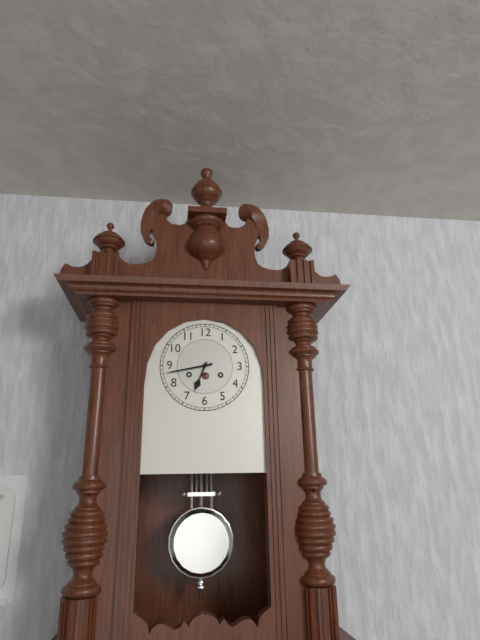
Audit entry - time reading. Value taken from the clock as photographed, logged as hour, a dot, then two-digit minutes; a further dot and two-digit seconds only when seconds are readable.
6.43
